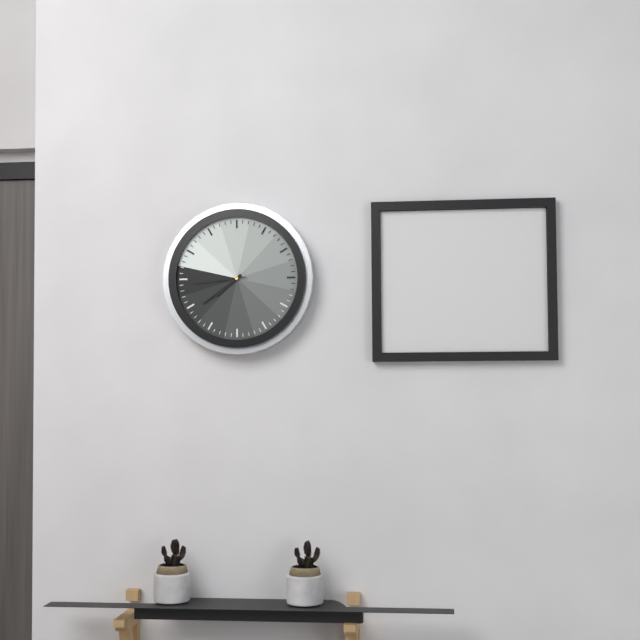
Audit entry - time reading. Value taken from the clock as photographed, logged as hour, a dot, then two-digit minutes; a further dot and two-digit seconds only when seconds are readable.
7.39.44
